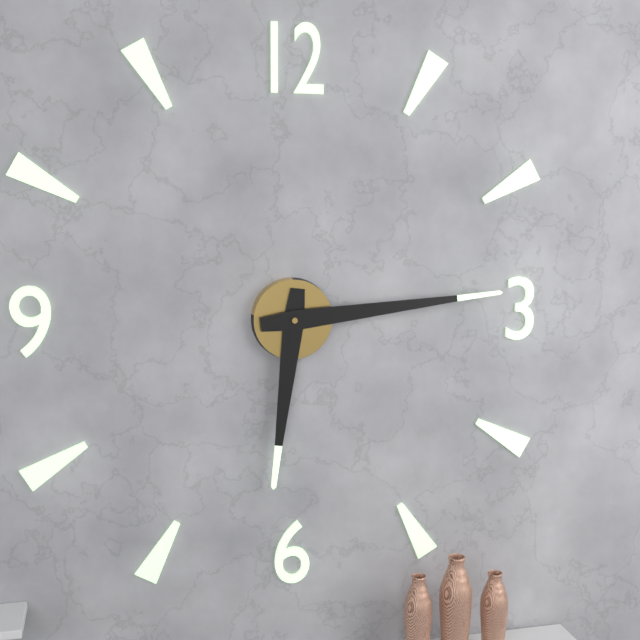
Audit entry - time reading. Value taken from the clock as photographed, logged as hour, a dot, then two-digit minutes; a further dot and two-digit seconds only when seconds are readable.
6.14
